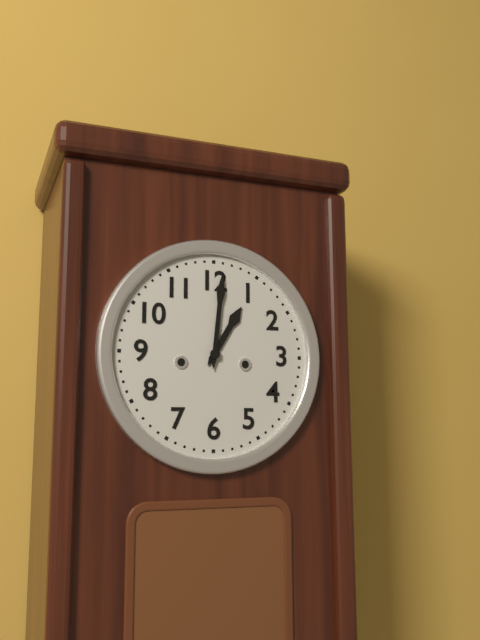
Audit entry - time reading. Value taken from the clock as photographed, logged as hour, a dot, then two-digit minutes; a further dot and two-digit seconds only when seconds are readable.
1.01
